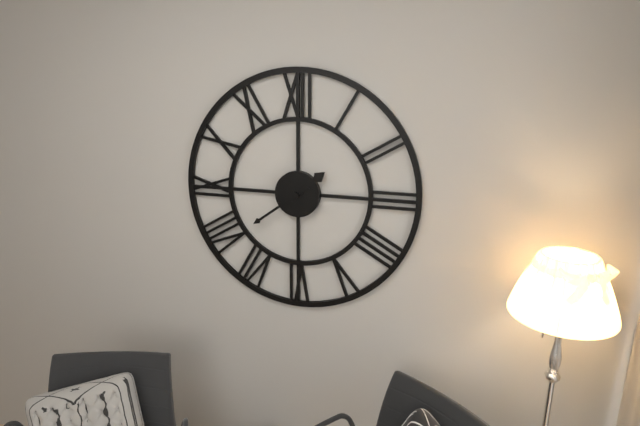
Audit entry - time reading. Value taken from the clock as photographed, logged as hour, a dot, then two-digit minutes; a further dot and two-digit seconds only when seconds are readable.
1.39
